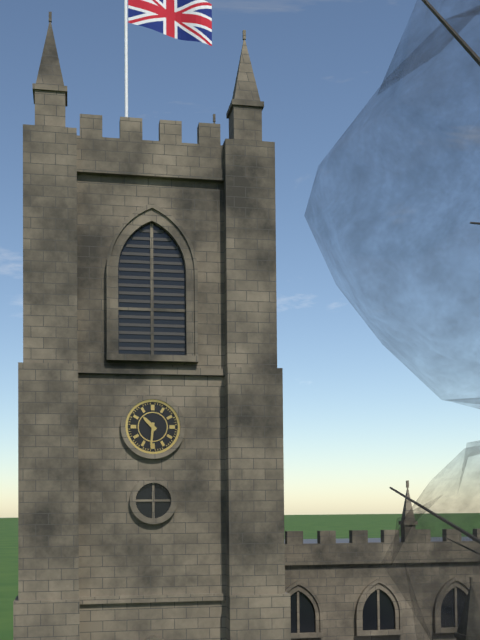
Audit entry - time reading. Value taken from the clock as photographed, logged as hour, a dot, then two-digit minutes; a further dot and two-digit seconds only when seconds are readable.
10.31
